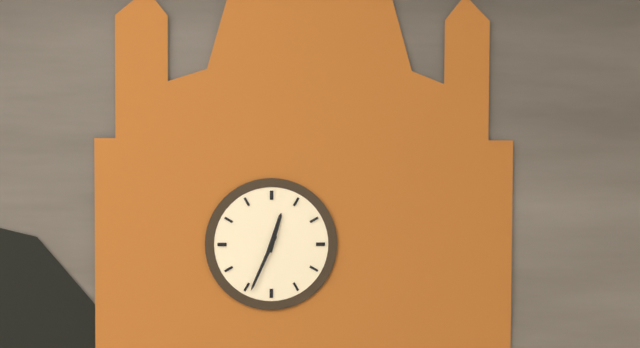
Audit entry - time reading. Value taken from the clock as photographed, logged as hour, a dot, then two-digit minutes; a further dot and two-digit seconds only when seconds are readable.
12.34
